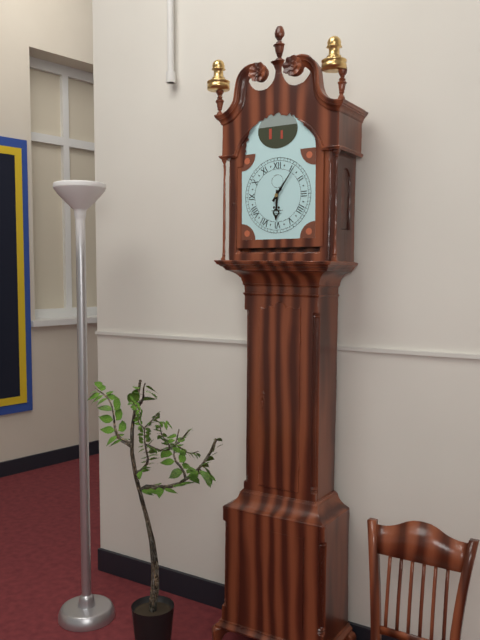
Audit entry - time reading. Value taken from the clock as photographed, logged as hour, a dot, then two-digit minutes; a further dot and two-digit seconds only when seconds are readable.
6.06
